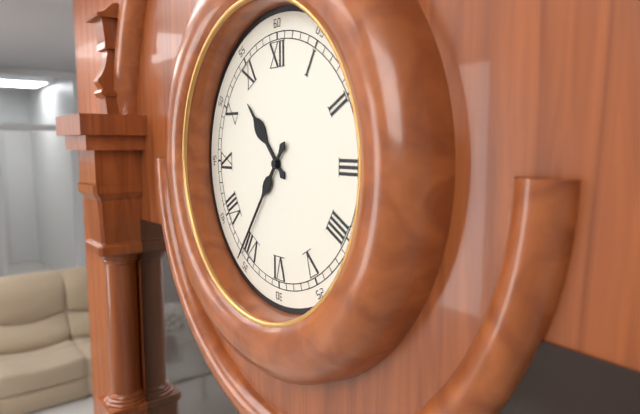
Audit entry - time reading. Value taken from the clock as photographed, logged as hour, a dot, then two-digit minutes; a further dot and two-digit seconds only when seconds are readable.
10.36
